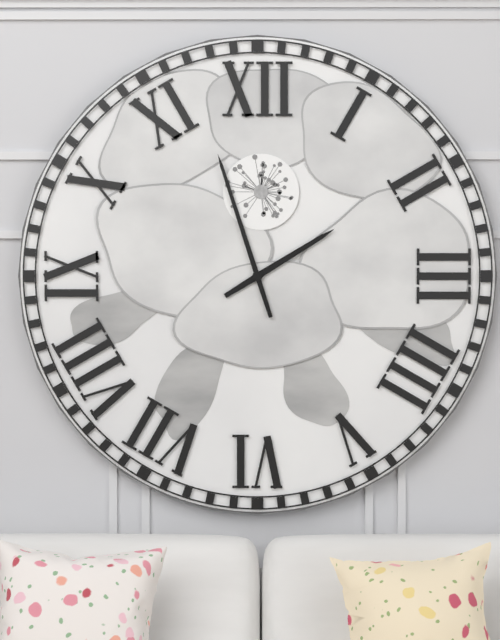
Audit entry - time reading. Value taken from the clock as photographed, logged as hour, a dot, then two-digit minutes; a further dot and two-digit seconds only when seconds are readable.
1.57
